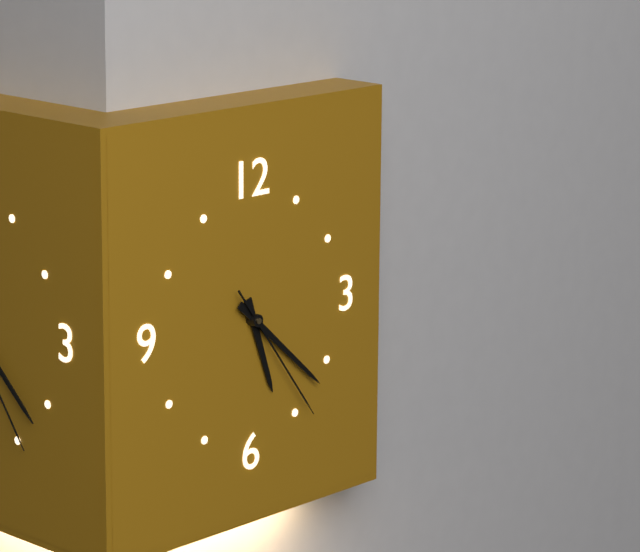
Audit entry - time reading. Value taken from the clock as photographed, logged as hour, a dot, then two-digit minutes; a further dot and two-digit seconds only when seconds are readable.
5.22.24
